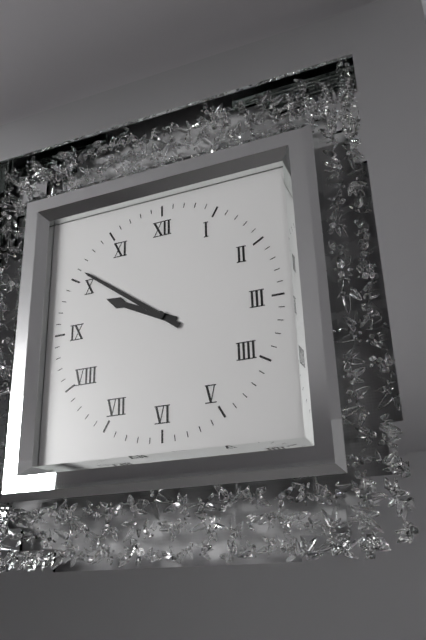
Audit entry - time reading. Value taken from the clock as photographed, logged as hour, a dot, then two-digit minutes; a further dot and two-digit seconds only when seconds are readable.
9.51
